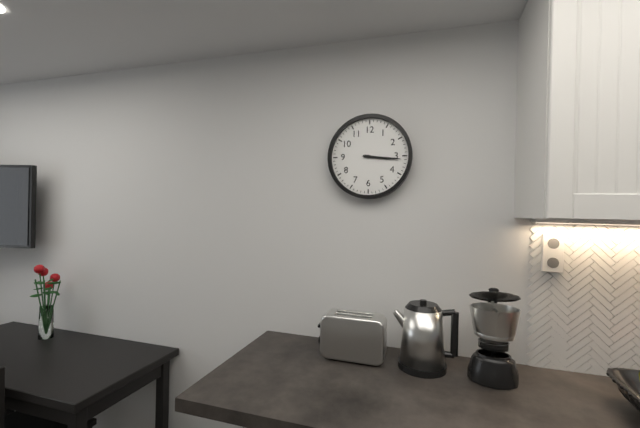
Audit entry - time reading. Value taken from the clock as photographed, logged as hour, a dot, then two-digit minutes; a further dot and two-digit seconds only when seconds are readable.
3.16
